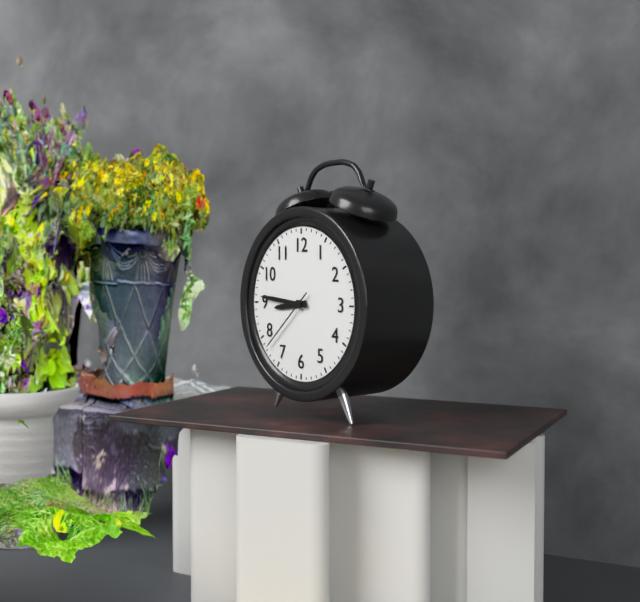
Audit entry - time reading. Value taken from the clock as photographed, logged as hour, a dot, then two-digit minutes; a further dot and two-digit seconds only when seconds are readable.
8.46.38
